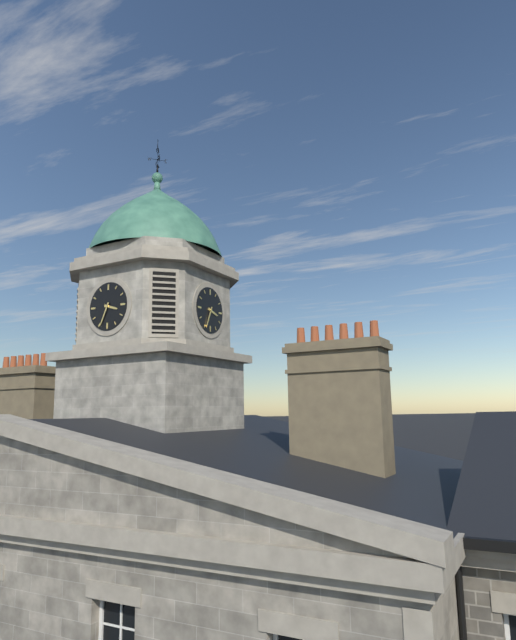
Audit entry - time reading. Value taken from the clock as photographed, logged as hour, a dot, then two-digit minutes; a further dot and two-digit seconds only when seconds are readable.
3.34
